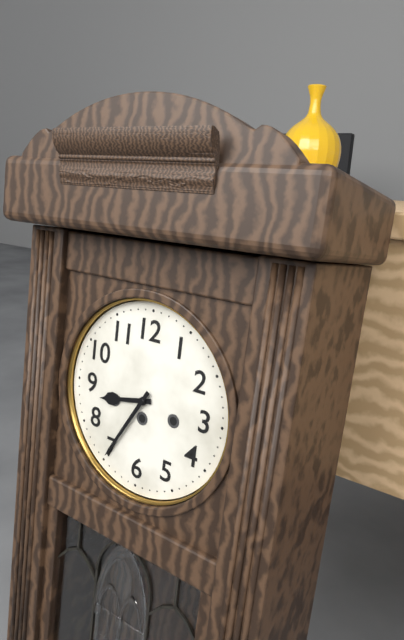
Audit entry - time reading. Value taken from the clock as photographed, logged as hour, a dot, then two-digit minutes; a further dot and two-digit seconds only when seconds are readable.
8.35
